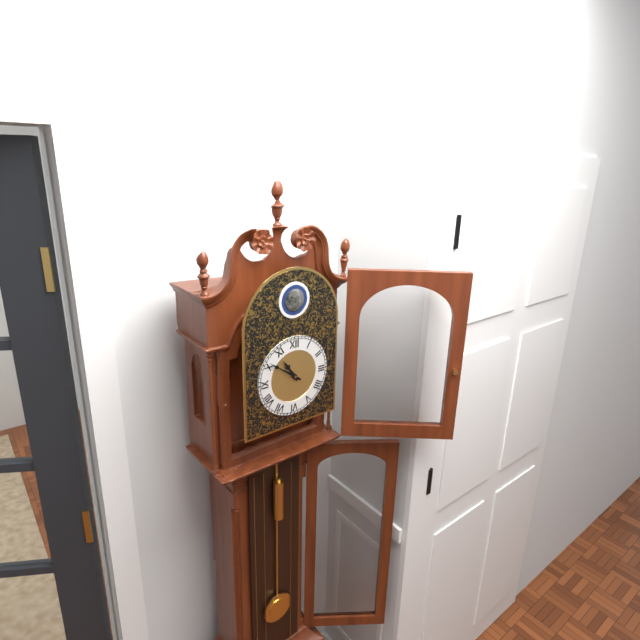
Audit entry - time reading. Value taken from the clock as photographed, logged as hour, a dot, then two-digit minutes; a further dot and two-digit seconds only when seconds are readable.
10.51
